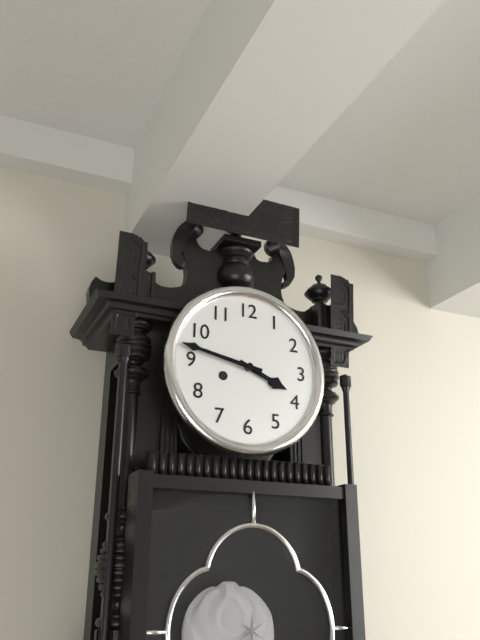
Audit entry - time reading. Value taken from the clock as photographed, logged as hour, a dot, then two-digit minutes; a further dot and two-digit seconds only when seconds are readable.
3.47
